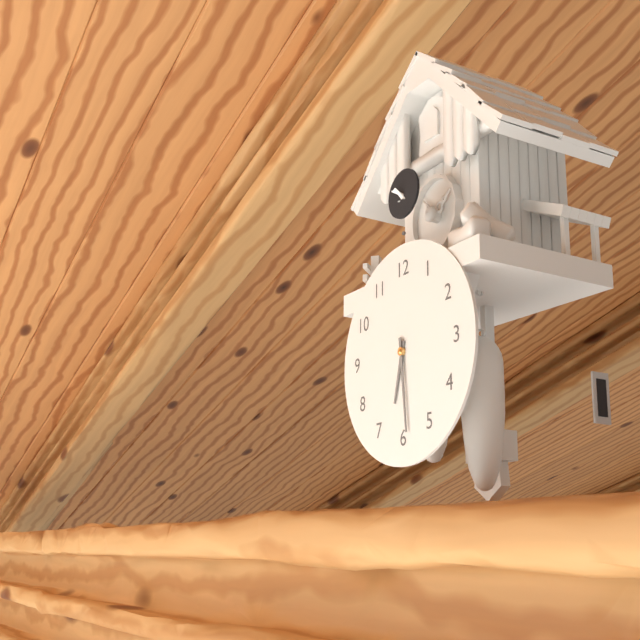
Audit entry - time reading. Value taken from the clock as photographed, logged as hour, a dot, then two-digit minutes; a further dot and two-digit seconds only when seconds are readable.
6.29
